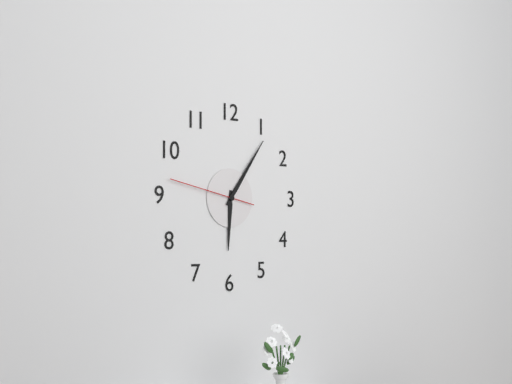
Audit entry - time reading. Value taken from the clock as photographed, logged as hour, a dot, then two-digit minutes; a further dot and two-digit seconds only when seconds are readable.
6.06.47
